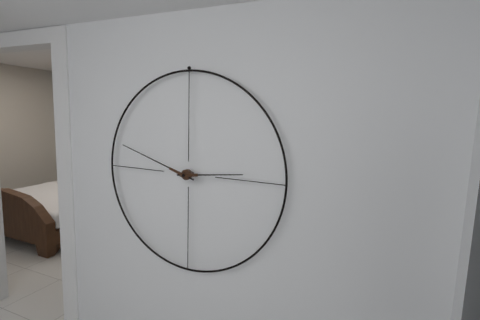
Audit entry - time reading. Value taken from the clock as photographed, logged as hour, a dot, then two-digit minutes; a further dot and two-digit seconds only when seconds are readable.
2.48
